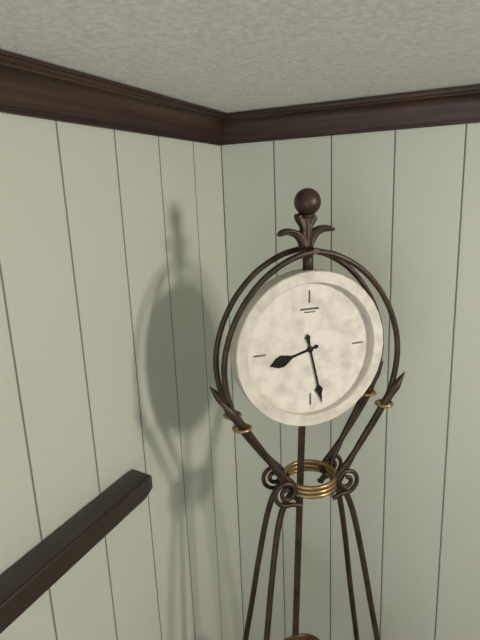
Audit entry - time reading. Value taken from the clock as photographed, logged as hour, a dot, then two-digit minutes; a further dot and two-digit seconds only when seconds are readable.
8.28
